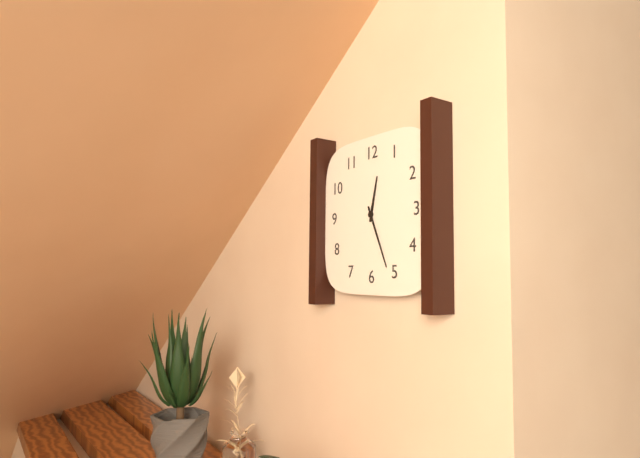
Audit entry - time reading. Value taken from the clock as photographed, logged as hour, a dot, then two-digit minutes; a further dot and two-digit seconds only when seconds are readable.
12.26
